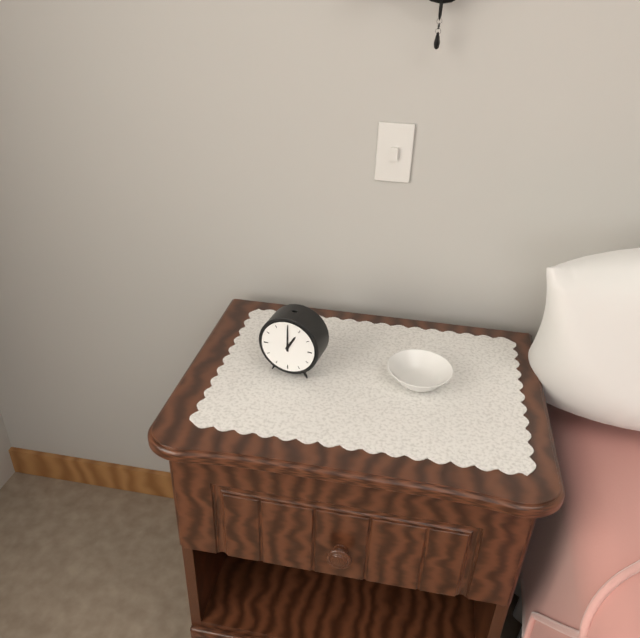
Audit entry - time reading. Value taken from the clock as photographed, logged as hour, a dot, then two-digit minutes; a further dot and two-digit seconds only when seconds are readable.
1.00
